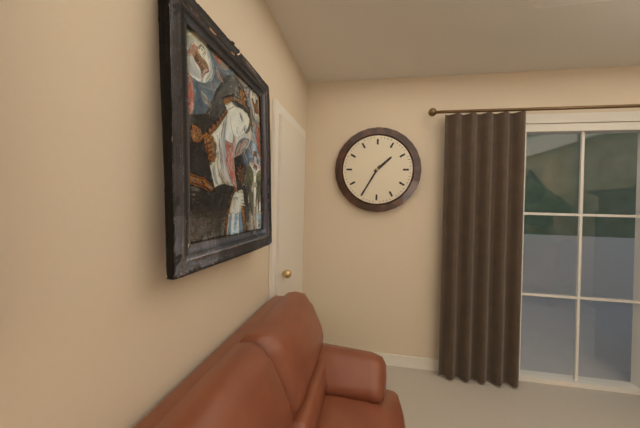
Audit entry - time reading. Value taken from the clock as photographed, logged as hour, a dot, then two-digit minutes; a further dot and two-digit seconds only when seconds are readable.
1.35
